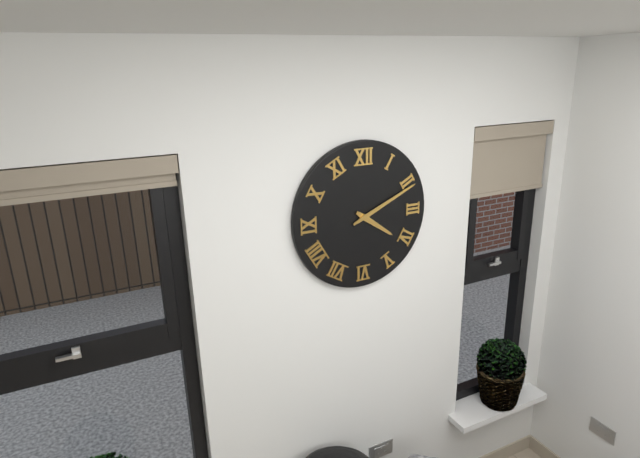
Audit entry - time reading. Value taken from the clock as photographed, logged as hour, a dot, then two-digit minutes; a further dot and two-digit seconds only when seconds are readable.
4.11
